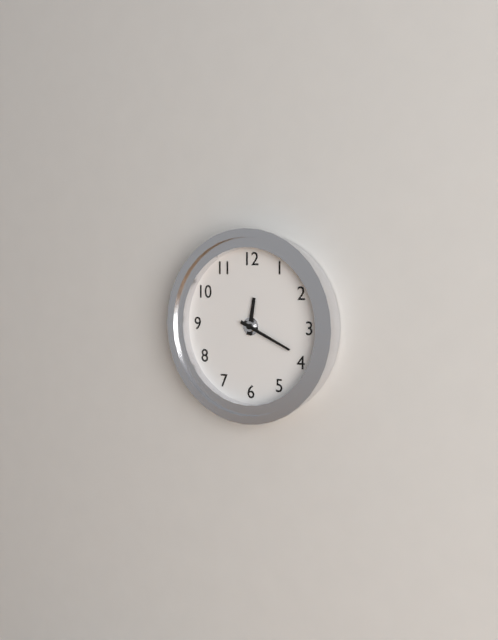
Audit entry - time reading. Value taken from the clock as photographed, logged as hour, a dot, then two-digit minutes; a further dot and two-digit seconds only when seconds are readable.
12.19
